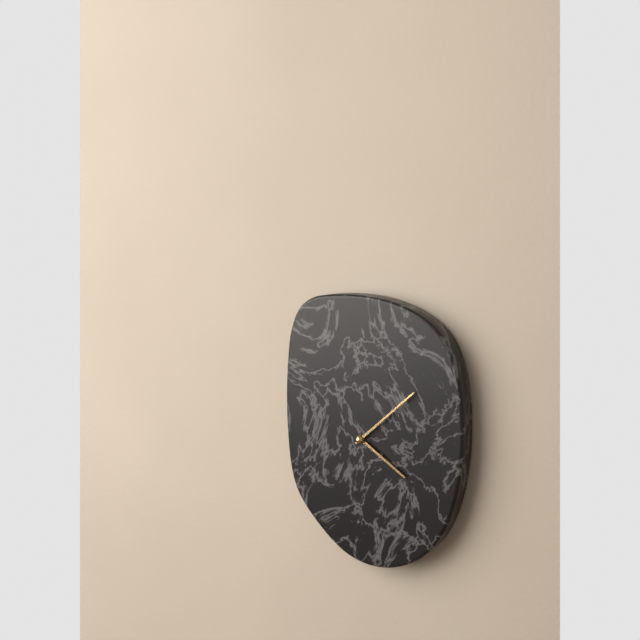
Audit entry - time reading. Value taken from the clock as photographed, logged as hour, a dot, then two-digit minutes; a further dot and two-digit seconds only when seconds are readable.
4.08
